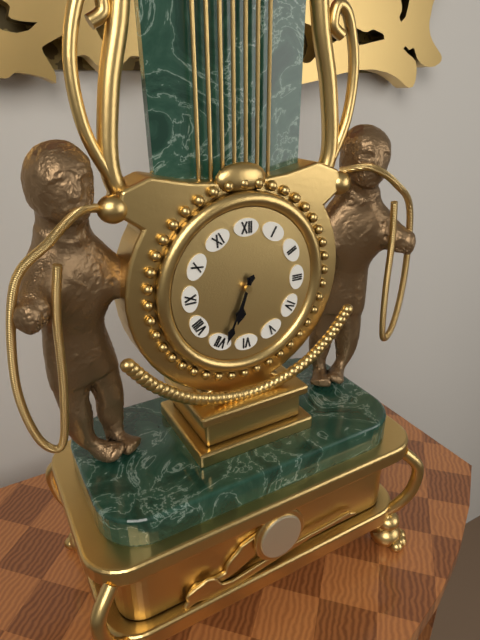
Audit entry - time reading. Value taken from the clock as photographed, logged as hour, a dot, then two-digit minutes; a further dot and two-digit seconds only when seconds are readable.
6.34
